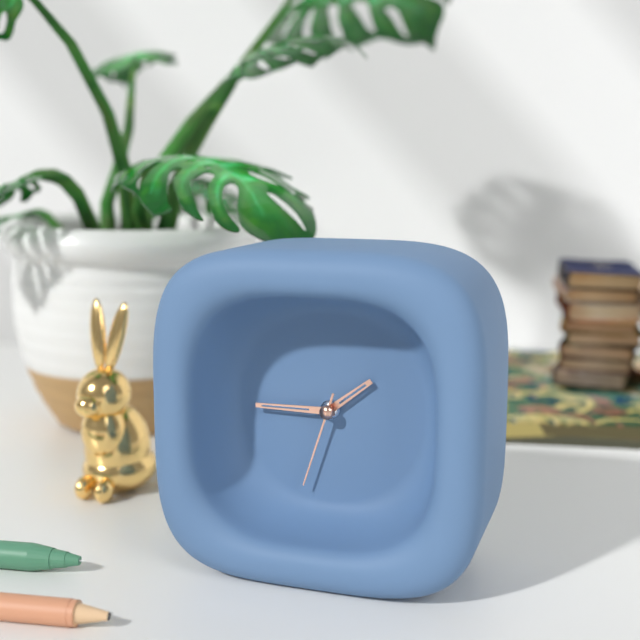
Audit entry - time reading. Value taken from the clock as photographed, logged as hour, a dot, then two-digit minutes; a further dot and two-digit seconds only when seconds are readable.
1.45.33
